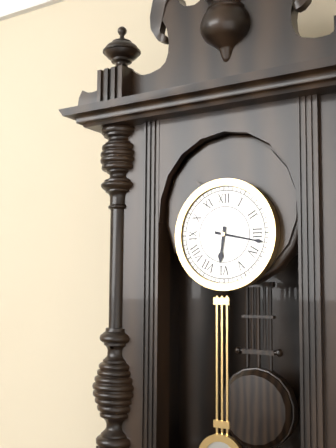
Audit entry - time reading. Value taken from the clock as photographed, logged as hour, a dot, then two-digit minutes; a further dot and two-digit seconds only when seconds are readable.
6.17
